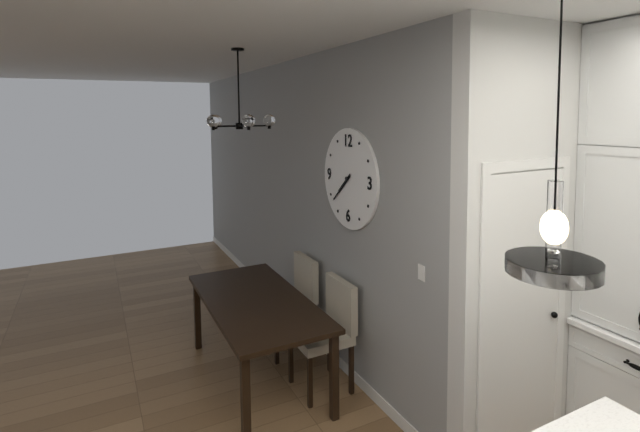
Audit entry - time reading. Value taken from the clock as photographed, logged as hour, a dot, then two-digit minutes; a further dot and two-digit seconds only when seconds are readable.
7.38
